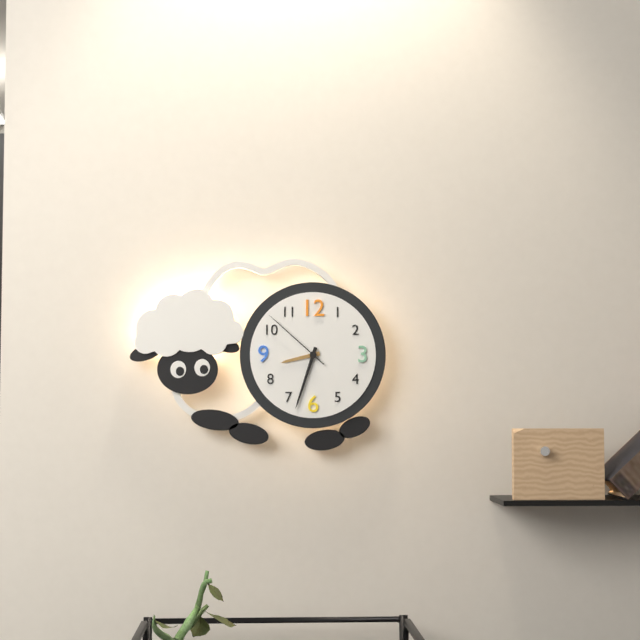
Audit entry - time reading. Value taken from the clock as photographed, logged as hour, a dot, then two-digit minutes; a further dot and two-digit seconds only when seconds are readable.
8.33.52
